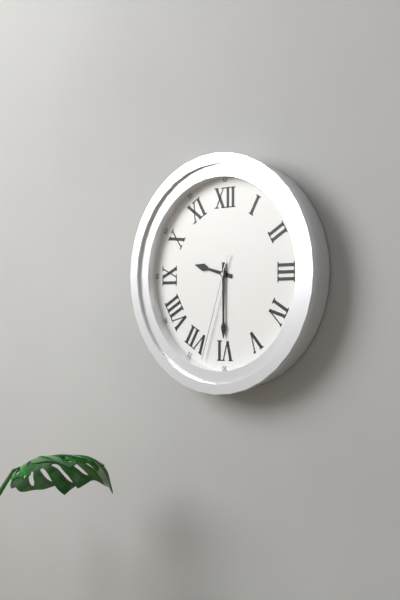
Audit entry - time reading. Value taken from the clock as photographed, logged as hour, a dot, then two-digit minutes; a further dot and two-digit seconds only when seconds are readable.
9.30.33
